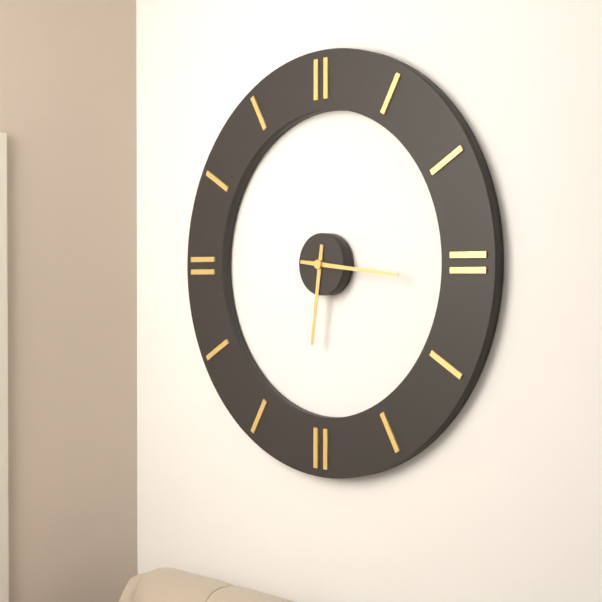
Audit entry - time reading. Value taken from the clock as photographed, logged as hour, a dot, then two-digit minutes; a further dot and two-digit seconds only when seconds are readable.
6.16
